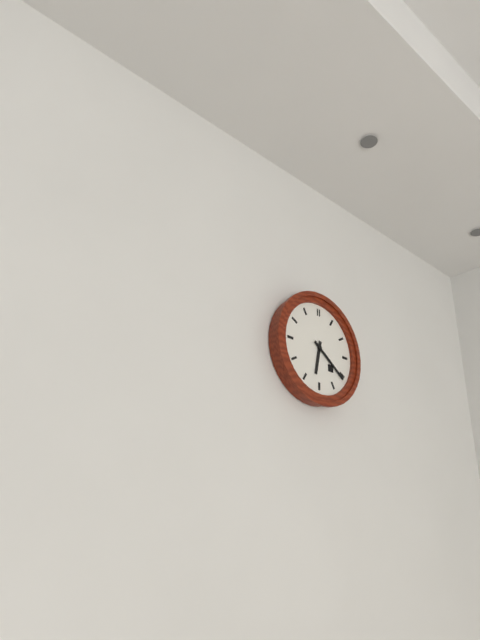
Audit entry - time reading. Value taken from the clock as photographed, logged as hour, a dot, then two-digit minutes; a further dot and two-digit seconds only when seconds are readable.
6.21
